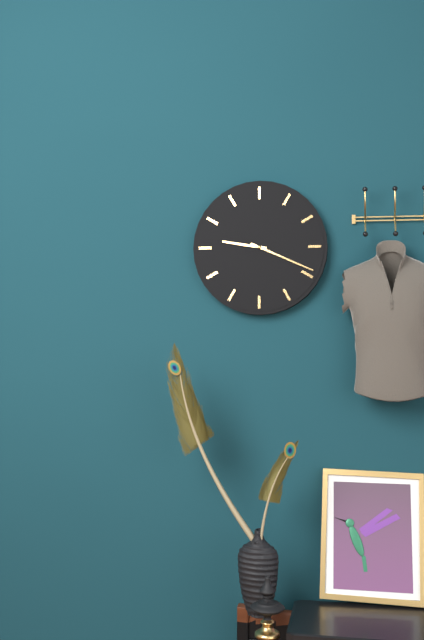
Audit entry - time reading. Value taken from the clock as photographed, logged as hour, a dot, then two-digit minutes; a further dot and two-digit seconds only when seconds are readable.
9.19
